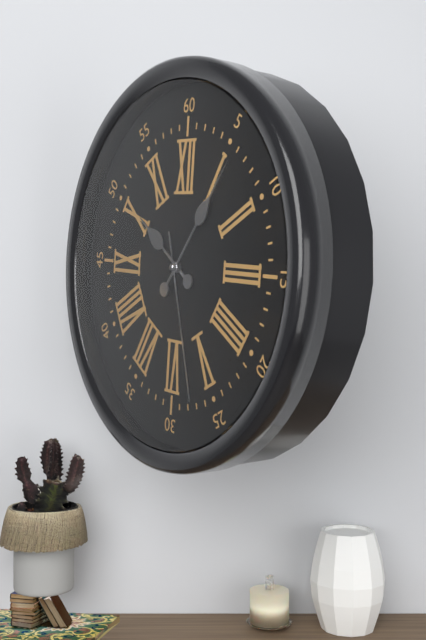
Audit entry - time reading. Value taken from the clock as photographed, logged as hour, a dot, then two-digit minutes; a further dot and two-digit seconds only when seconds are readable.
10.06.27
